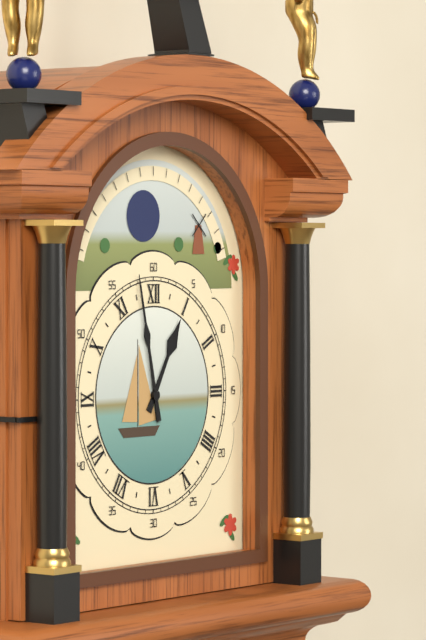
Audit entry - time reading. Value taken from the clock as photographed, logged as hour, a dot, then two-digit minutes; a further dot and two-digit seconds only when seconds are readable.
12.58
